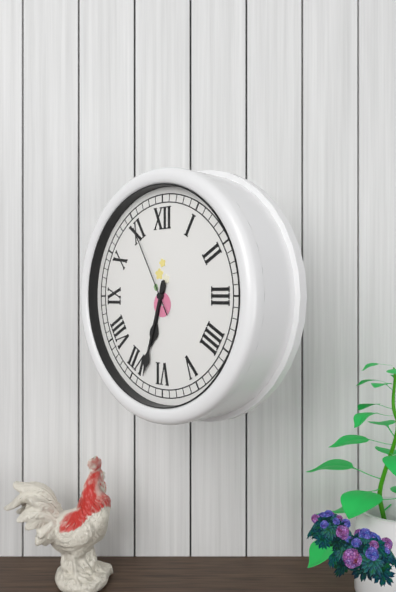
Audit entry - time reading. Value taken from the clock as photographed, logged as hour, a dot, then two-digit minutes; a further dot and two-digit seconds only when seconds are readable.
6.33.55
